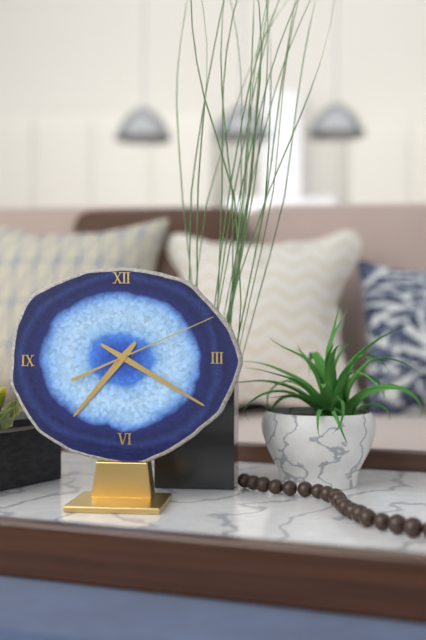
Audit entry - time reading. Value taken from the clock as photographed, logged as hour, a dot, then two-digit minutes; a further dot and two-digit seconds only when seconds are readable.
7.20.11
